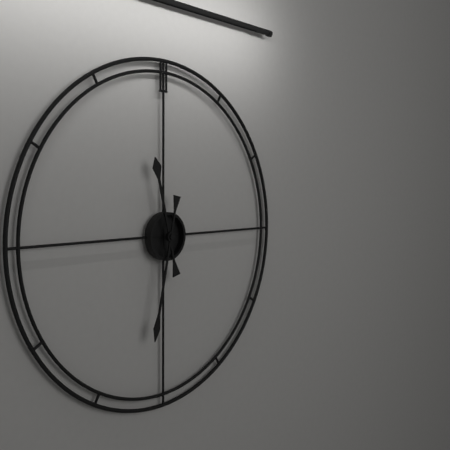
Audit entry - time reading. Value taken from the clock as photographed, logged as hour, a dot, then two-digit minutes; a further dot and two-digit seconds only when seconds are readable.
11.32
